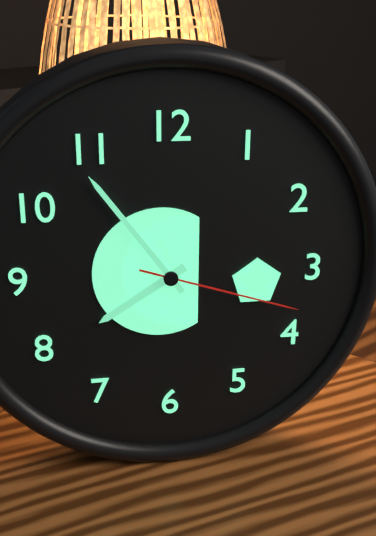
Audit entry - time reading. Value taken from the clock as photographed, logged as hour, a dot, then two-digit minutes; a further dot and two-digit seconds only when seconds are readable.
7.54.18
